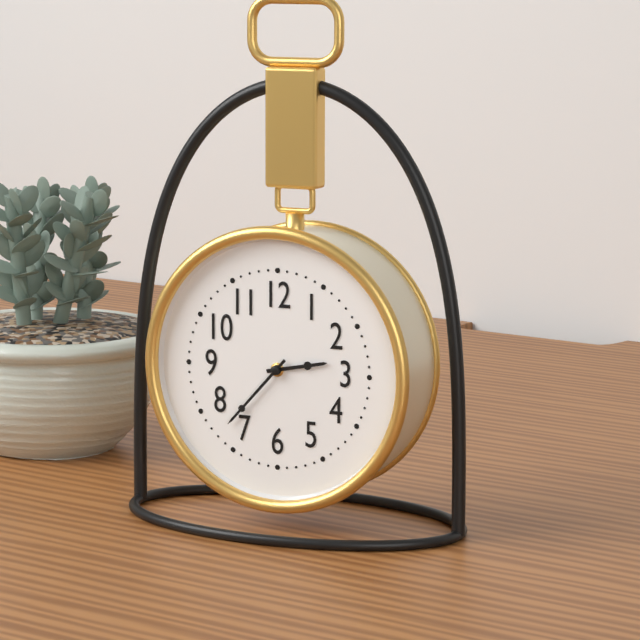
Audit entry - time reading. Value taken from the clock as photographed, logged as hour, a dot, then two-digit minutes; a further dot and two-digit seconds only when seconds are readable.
2.37
